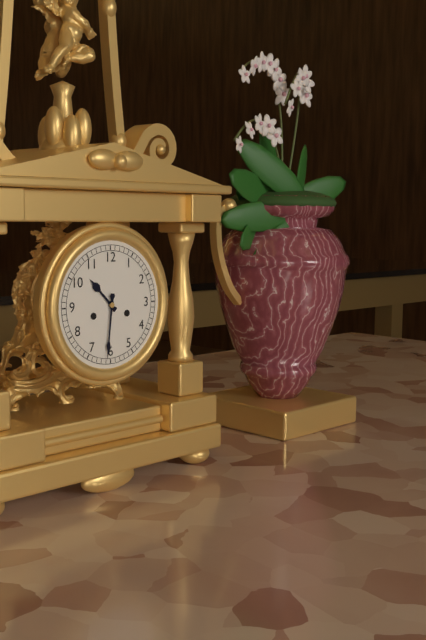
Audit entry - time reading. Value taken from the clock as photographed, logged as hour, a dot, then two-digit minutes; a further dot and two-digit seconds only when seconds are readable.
10.31
